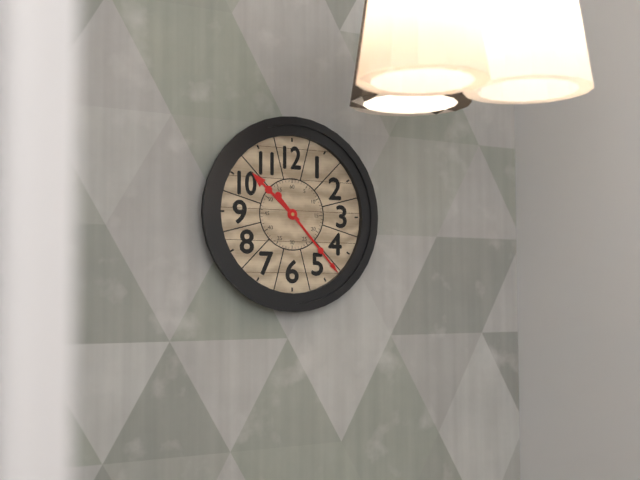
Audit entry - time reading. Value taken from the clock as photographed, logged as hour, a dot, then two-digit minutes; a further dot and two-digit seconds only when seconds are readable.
10.23
